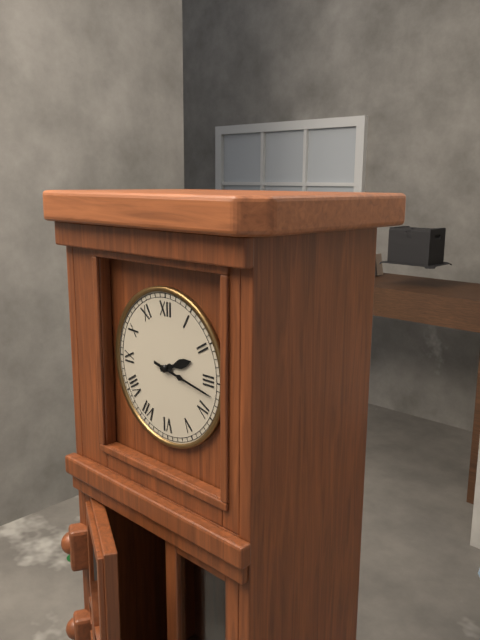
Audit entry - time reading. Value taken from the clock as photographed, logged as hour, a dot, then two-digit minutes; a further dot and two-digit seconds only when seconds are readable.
2.17
